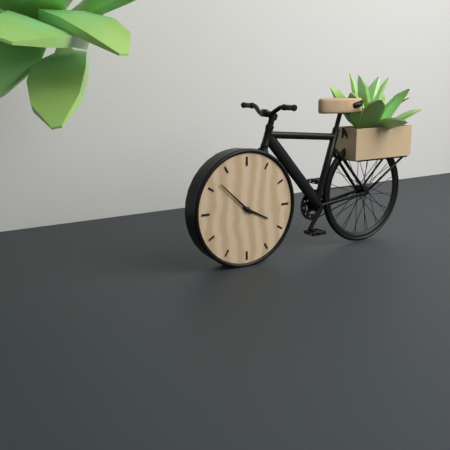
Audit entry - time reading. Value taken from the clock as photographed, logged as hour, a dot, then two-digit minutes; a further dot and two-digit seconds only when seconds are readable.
3.52
